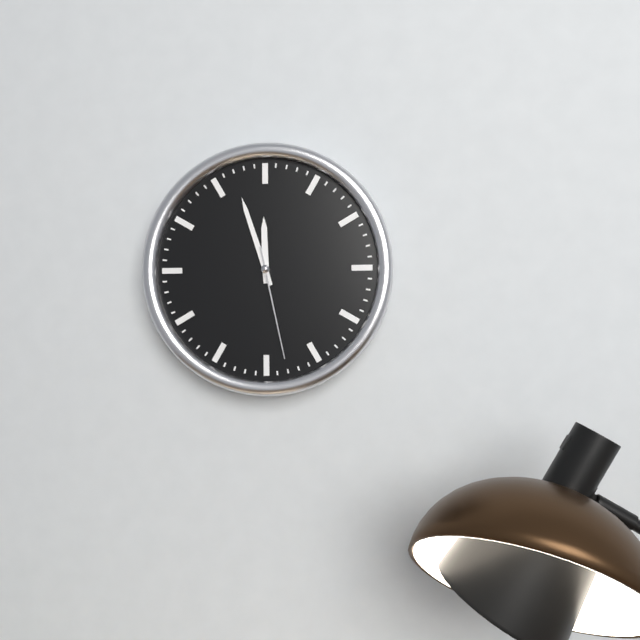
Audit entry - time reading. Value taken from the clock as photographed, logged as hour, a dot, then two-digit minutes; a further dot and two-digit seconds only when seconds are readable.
11.57.28
